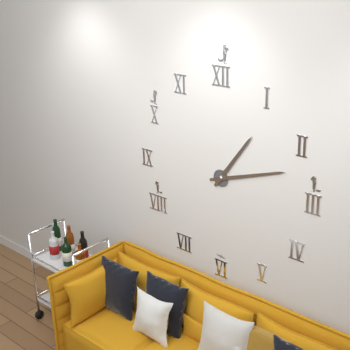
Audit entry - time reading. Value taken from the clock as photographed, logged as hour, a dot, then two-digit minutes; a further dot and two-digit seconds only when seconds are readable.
1.12
